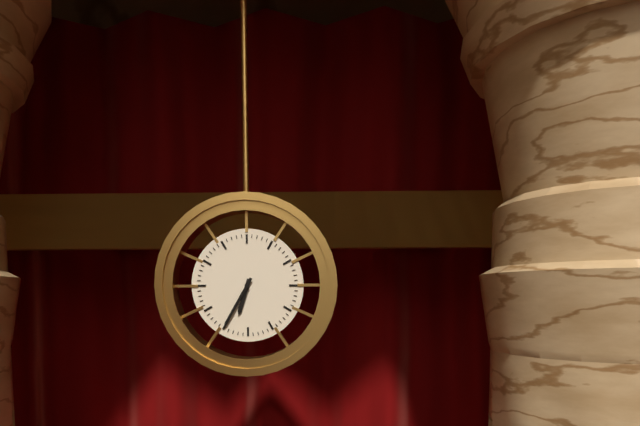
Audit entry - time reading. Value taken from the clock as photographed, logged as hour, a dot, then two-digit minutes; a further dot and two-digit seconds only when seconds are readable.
6.35
